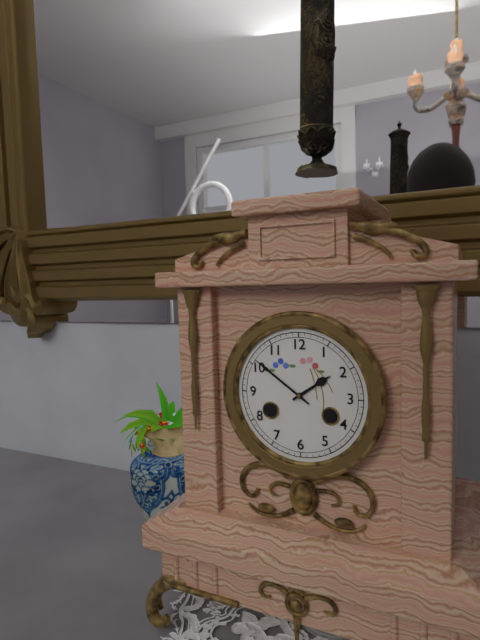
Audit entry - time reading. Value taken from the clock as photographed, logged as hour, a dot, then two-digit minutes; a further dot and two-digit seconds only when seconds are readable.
1.51
